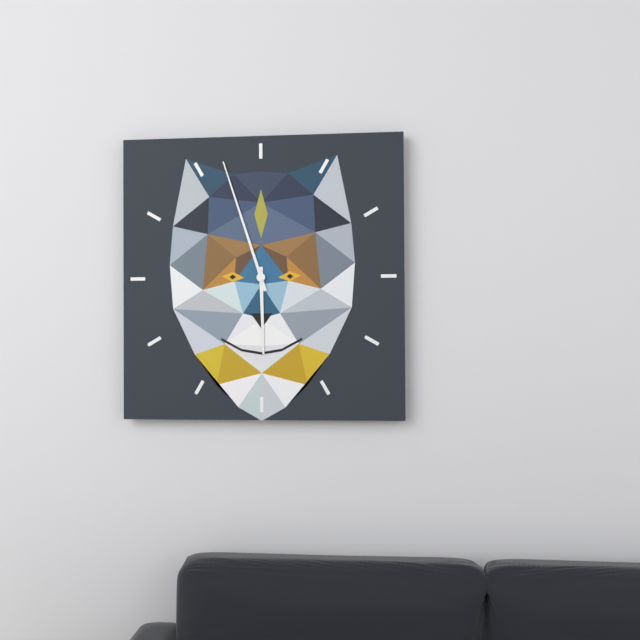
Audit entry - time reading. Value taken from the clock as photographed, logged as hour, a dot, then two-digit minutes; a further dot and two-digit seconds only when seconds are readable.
5.57
